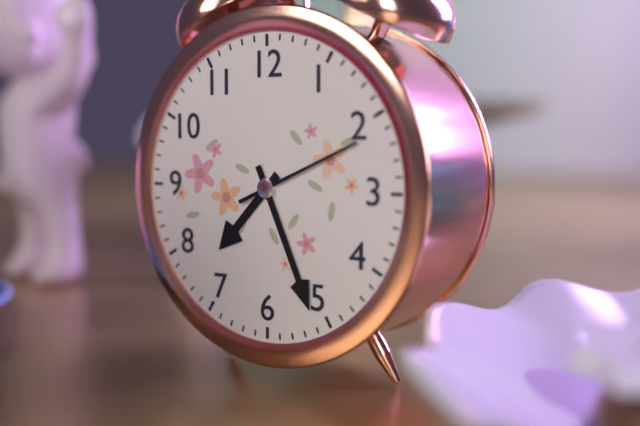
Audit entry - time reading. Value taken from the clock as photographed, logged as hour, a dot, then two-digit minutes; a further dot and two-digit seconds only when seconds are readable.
7.26.11
